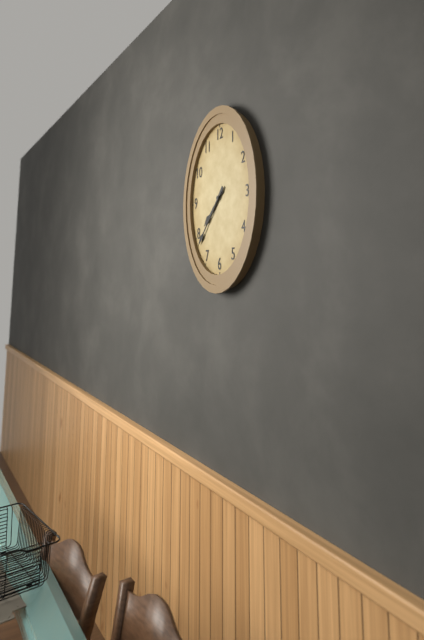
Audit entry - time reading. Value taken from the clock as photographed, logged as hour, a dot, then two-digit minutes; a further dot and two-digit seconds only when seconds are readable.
7.37
